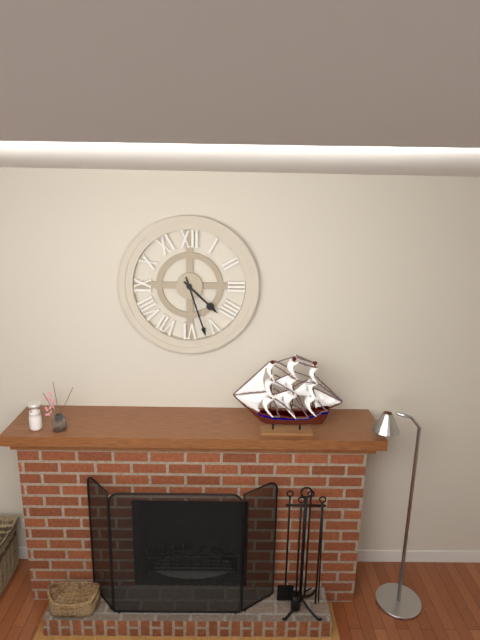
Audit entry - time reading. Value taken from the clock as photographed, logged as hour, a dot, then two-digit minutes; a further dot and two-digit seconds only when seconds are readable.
4.27
